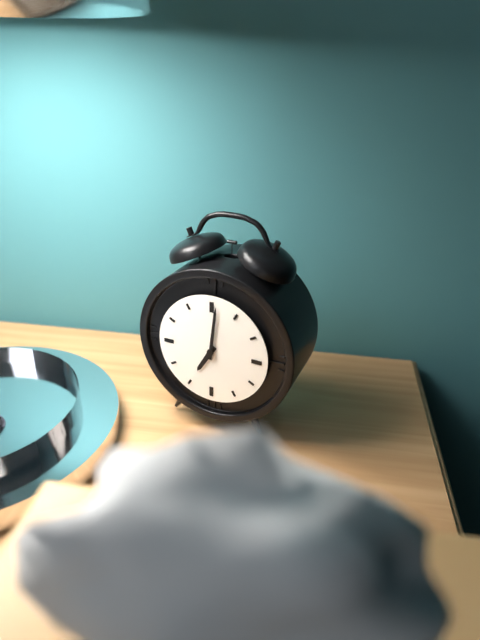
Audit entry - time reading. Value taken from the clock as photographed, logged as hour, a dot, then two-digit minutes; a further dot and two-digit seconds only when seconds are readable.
7.01
